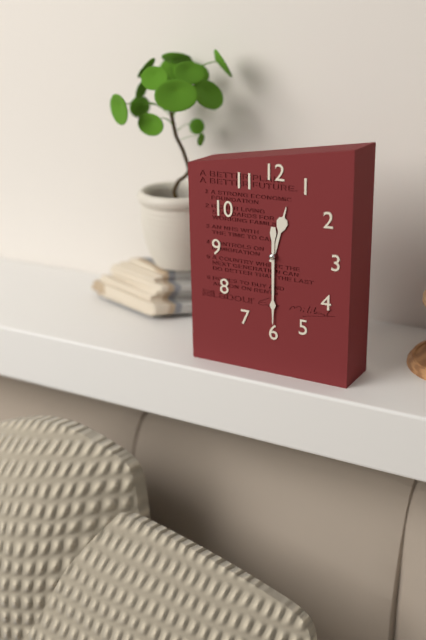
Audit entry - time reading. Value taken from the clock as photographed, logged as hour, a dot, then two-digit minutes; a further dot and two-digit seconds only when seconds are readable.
12.30
